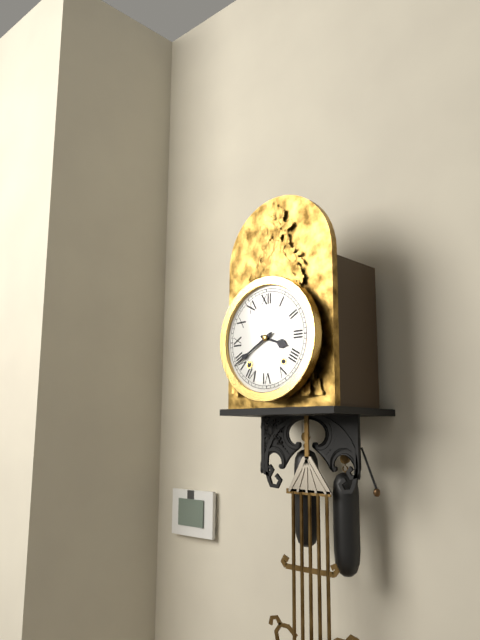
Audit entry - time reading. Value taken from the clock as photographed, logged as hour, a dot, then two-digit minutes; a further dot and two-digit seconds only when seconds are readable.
3.40
